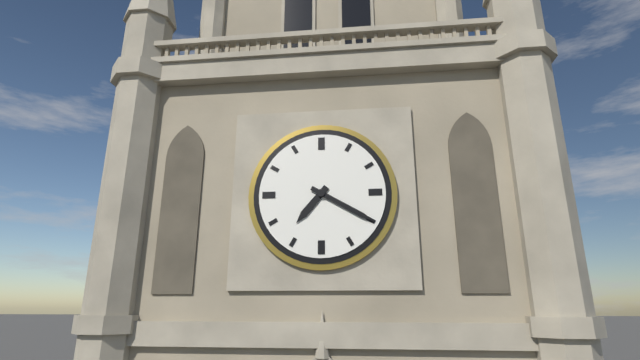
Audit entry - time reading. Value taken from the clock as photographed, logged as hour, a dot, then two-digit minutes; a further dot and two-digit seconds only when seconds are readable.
7.20
